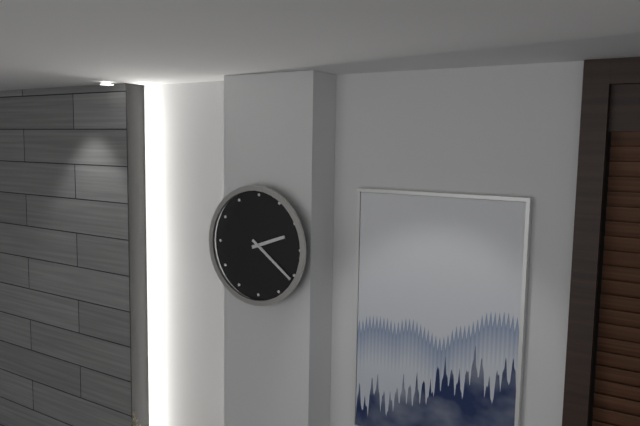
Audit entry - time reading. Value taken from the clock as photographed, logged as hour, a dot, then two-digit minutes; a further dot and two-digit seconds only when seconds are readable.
2.21
